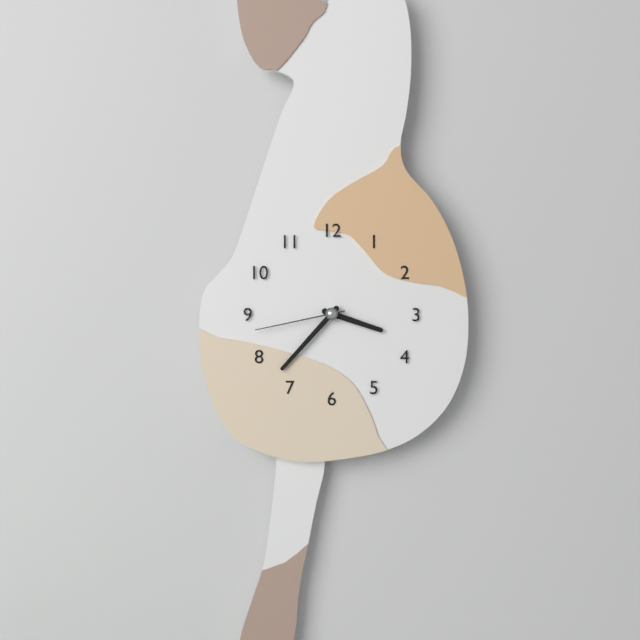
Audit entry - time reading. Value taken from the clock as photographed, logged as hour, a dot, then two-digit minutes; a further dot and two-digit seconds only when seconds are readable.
3.37.43
